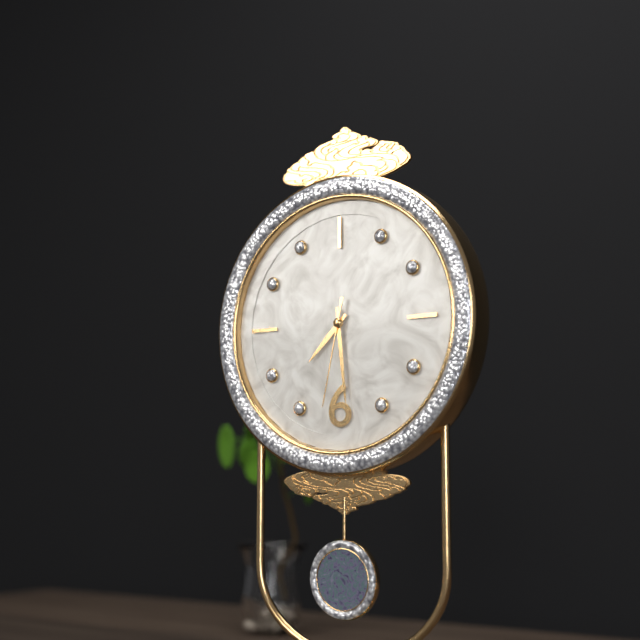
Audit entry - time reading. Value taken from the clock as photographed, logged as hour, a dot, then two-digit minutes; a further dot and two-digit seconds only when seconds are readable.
7.29.32
